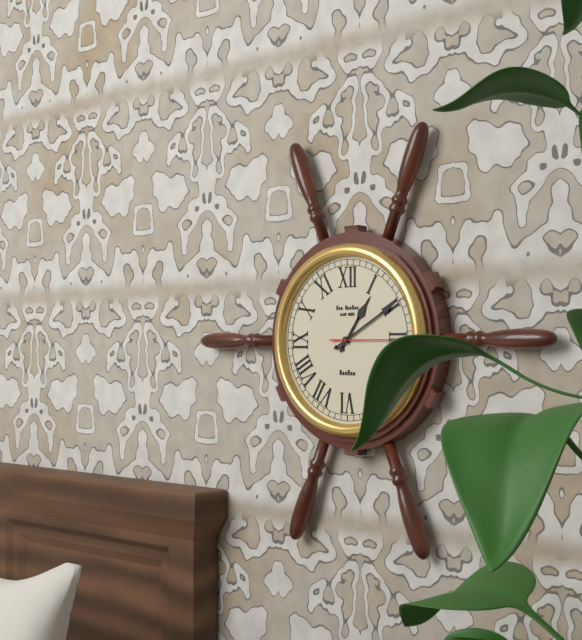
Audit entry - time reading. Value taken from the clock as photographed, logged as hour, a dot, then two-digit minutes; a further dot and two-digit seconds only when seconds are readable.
1.10.15
